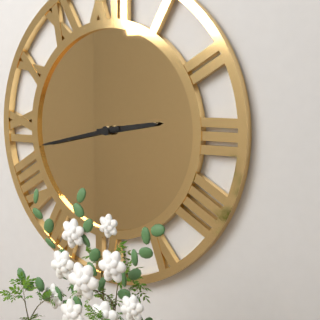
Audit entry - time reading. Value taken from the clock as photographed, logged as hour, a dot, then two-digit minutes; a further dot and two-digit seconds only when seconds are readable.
2.43
